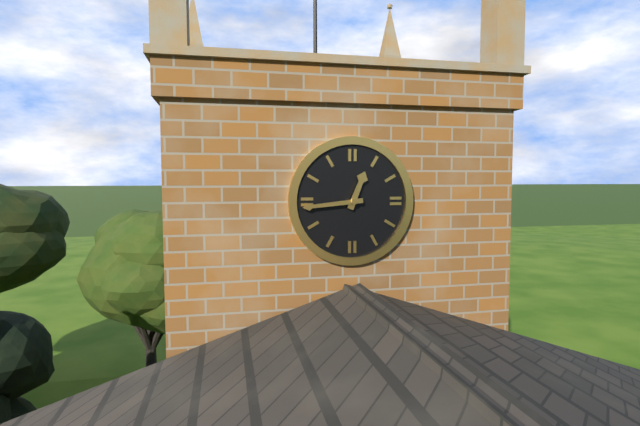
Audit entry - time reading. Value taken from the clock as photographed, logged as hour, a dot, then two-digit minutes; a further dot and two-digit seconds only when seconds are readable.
12.44
